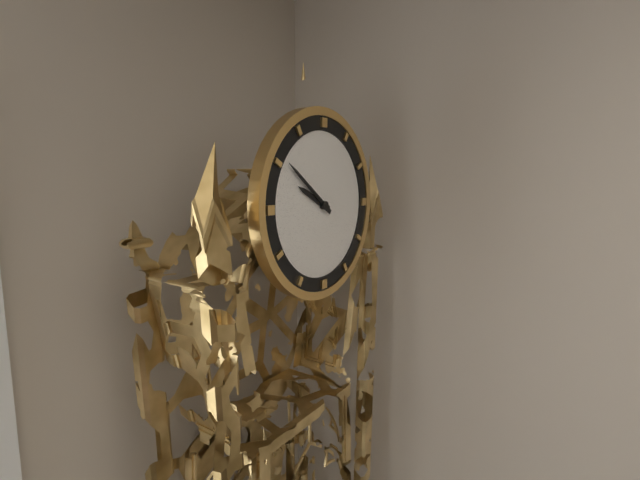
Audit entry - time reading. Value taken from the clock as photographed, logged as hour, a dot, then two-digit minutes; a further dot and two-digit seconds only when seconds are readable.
9.51
